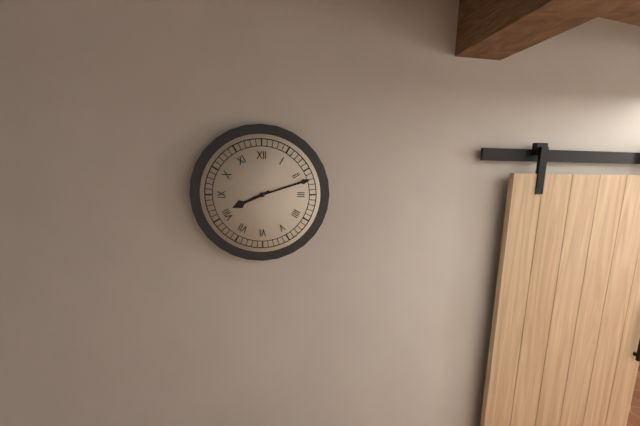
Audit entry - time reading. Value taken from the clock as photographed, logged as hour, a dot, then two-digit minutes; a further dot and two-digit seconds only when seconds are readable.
8.12
